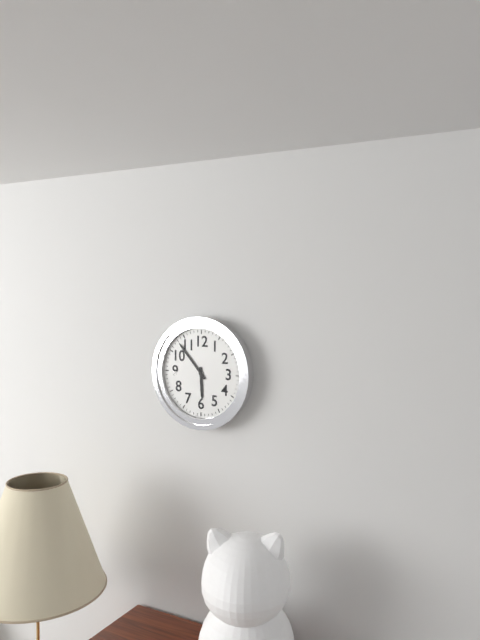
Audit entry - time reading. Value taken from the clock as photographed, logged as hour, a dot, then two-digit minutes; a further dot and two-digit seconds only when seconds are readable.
5.53
